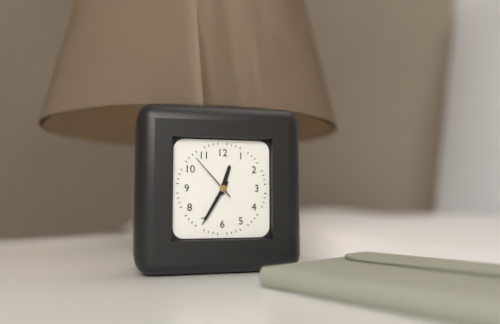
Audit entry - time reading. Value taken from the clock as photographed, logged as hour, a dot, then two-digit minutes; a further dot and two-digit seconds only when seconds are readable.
12.35.53
